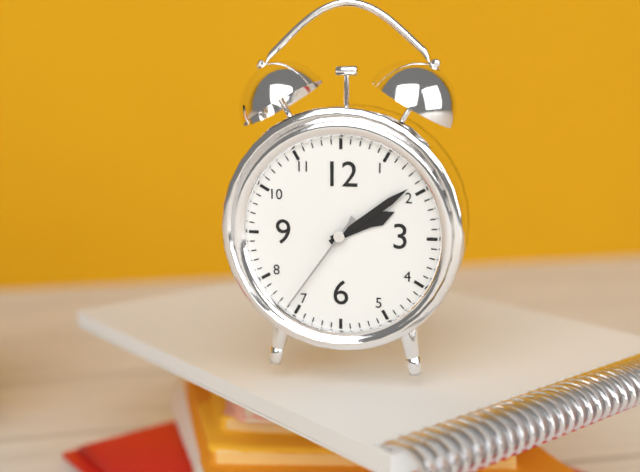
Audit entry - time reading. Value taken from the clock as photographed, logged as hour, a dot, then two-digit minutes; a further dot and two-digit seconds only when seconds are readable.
2.09.36
